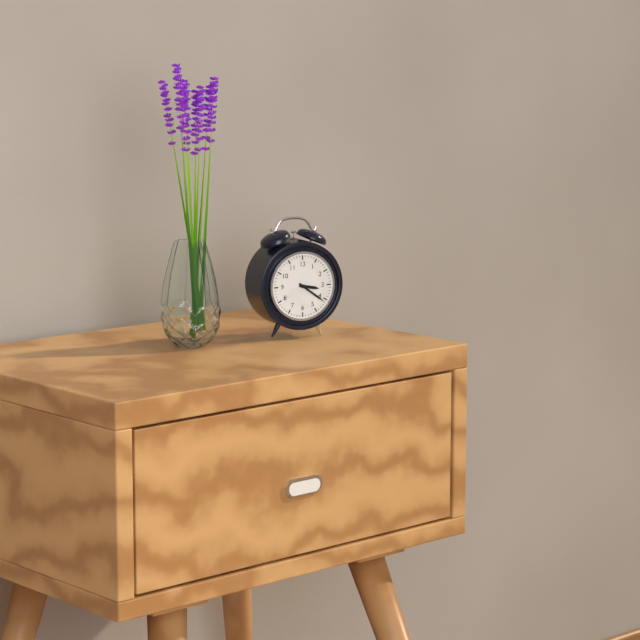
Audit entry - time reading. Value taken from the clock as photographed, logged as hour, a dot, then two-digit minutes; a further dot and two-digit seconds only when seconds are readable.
3.21
